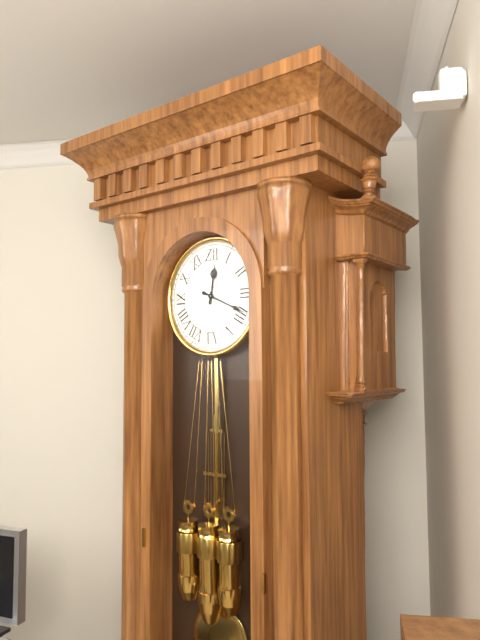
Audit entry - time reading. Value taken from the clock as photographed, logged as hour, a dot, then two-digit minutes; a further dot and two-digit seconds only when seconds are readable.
12.19
